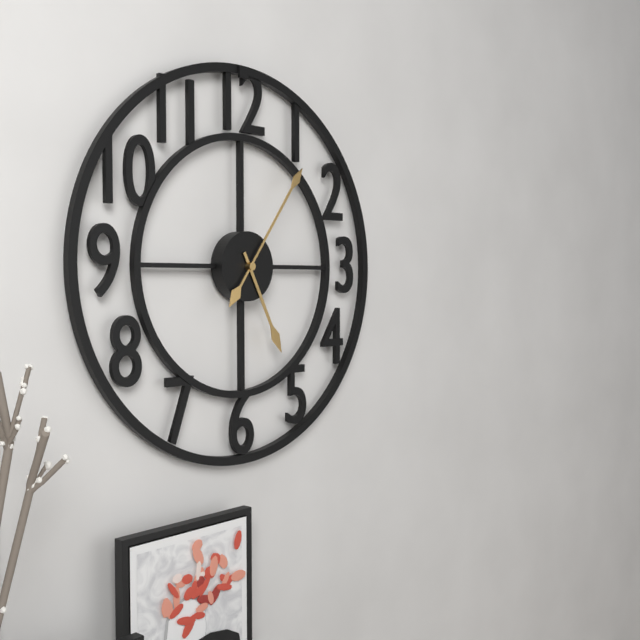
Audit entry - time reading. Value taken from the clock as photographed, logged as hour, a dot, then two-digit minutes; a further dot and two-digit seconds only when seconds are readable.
5.06
